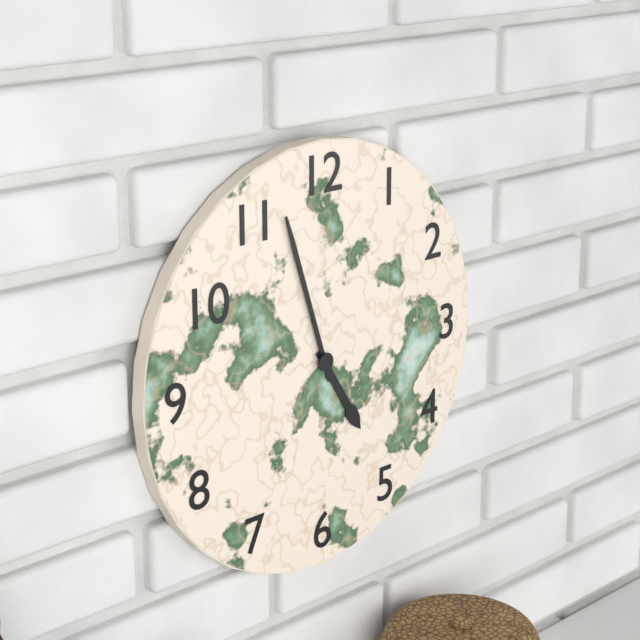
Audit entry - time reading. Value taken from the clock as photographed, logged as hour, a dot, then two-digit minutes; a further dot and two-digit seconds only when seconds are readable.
4.57
